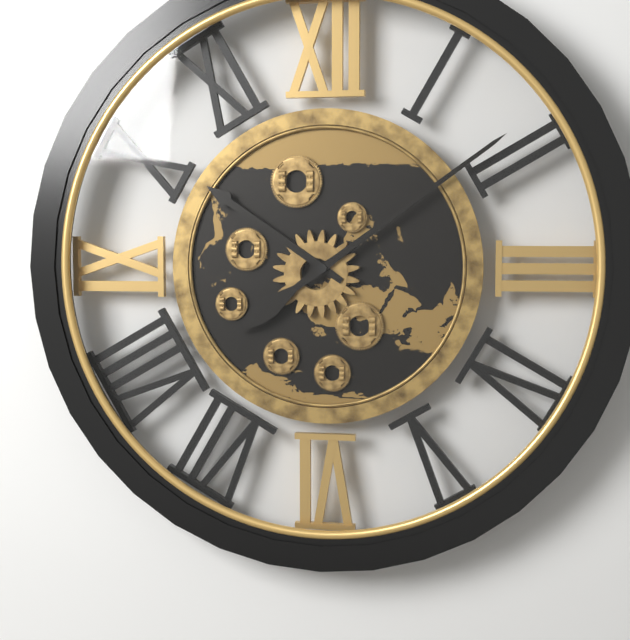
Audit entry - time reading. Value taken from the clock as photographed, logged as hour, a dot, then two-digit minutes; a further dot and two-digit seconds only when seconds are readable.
10.09
